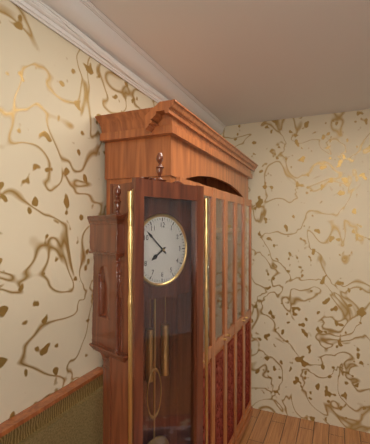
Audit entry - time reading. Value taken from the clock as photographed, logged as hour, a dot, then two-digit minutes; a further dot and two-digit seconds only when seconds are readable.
7.52
